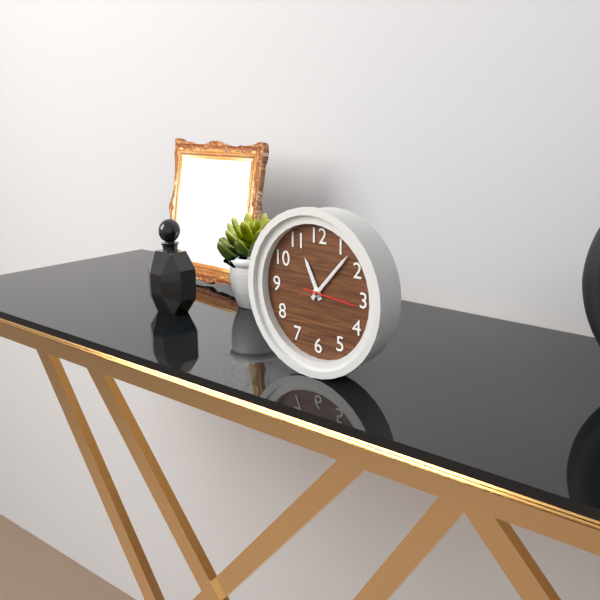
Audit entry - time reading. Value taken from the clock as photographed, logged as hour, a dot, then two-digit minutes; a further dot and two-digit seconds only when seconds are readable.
11.07.16
